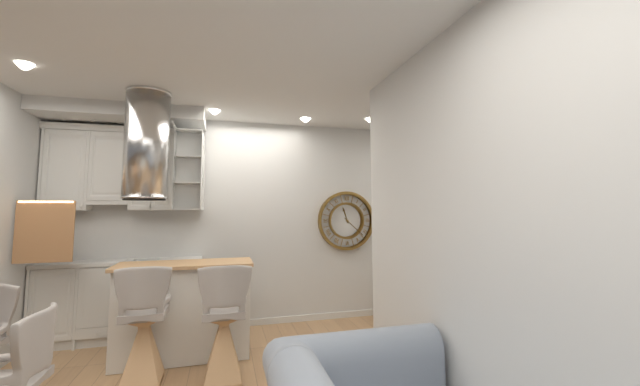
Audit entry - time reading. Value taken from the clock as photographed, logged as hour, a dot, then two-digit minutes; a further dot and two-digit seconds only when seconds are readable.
11.22
